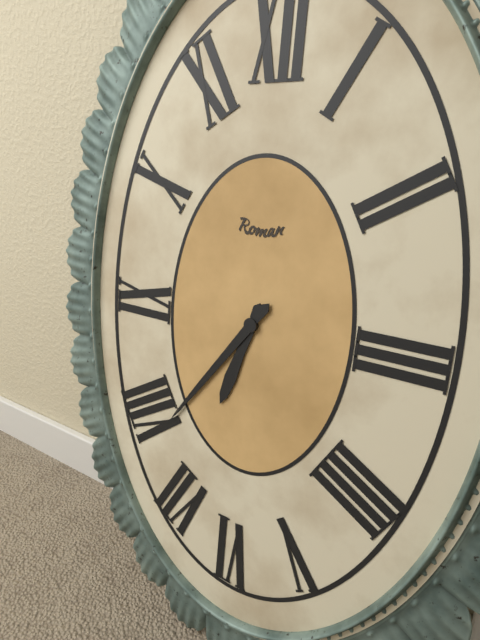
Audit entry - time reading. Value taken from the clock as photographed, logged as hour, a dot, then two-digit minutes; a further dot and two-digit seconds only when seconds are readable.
6.36
